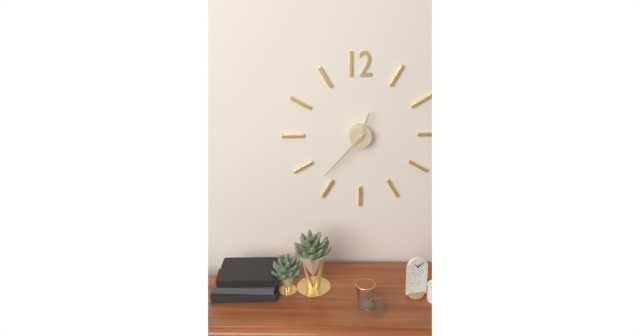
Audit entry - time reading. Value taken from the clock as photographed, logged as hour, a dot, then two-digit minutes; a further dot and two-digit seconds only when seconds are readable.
12.37
